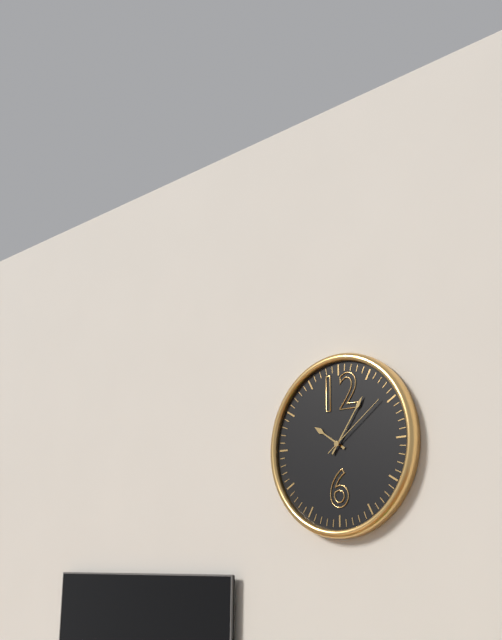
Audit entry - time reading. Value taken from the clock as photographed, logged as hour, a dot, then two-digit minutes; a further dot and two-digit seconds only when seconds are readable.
10.06.09
